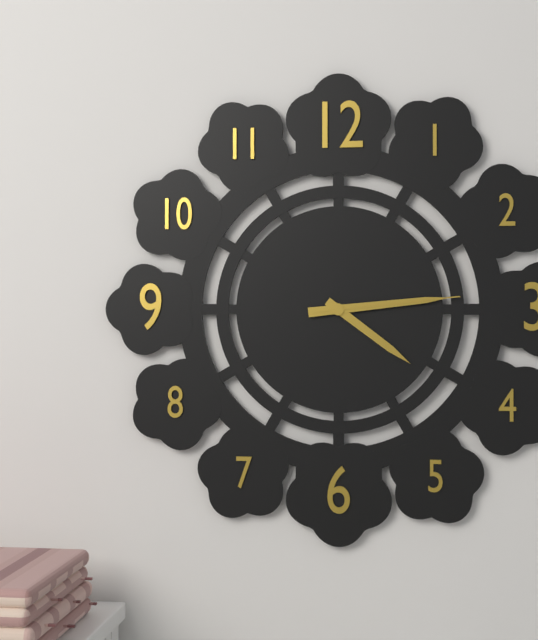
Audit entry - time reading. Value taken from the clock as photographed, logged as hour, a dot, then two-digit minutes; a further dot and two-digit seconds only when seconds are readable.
4.14.14
